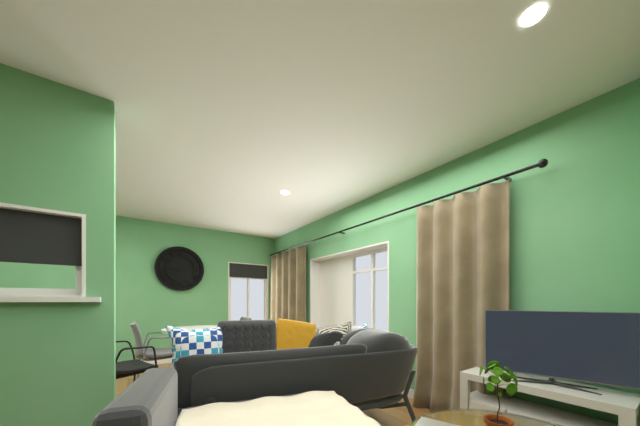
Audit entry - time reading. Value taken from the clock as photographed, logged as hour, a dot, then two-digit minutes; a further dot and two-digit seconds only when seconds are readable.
7.45
